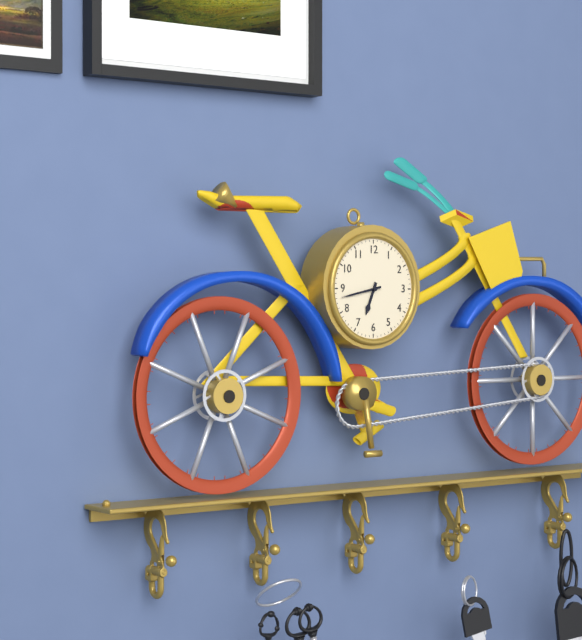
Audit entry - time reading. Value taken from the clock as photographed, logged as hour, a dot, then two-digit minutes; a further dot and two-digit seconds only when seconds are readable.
6.43
